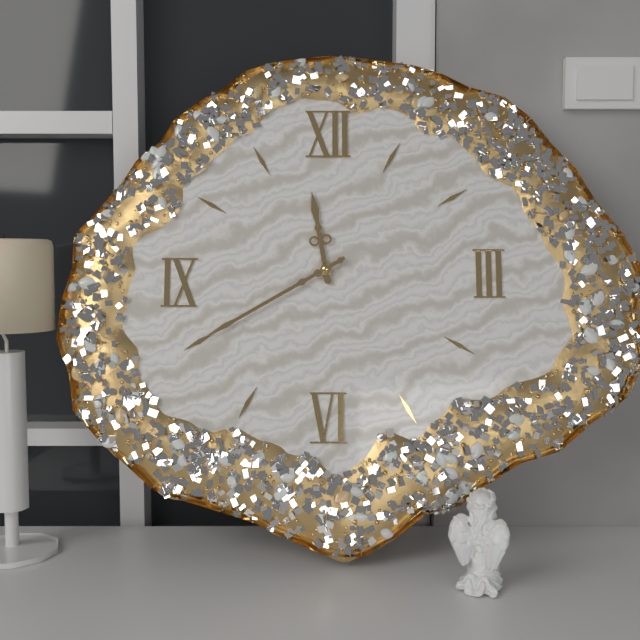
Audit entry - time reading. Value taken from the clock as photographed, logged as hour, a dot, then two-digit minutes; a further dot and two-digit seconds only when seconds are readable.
11.40
